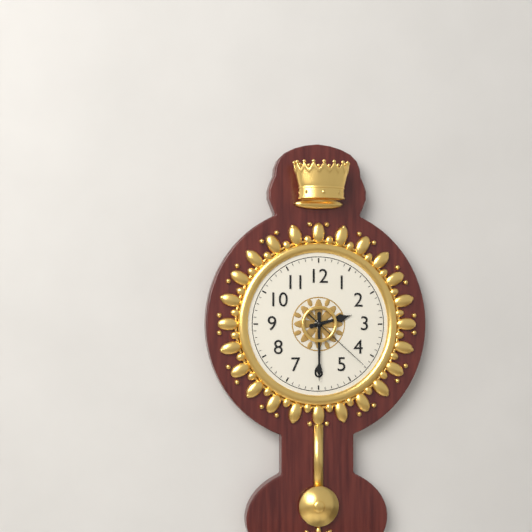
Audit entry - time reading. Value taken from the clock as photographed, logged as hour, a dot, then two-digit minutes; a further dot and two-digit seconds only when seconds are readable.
2.30.22
